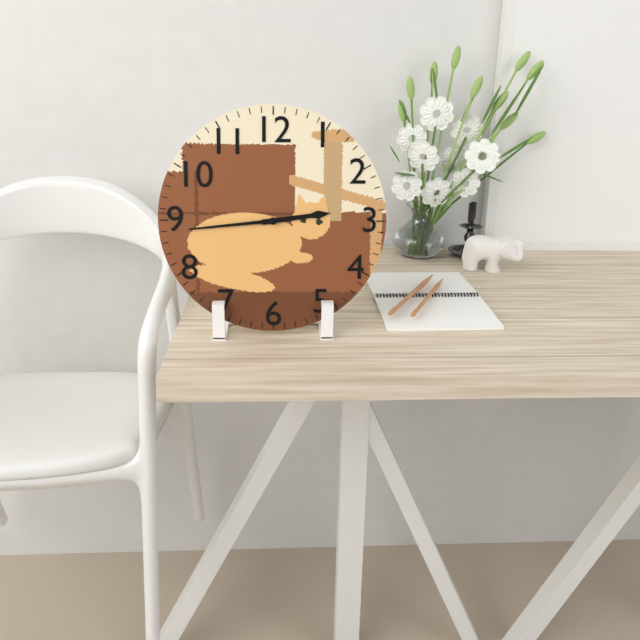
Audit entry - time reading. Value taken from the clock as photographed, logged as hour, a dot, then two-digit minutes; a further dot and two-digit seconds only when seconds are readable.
2.44.44
